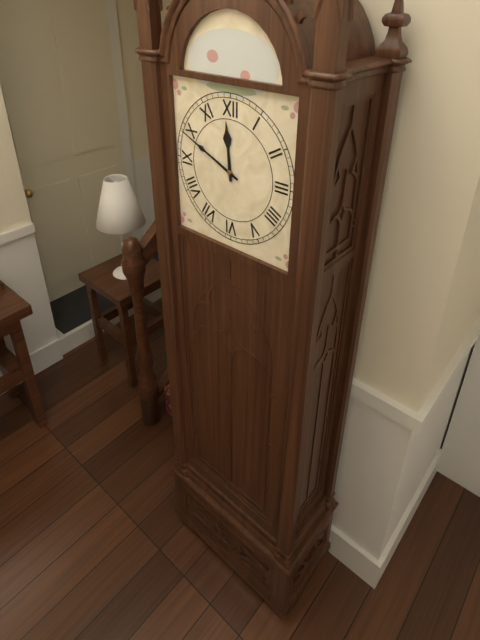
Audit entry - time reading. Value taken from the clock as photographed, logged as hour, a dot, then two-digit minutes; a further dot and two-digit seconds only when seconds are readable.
11.49
